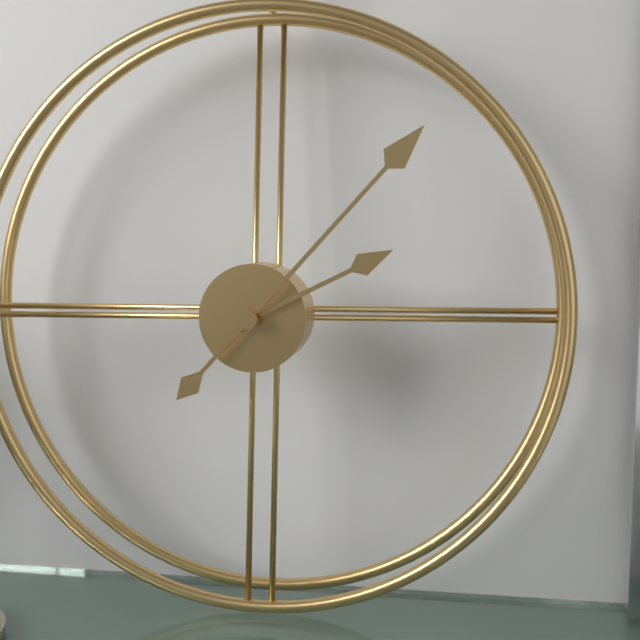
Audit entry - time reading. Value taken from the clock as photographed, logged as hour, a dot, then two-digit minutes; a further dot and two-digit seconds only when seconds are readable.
2.07
